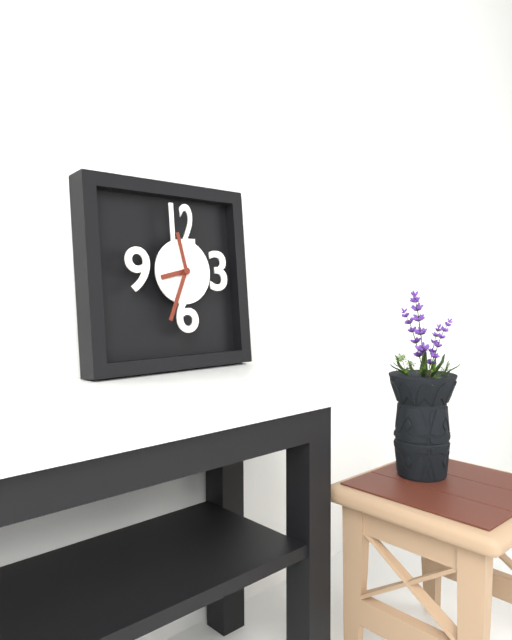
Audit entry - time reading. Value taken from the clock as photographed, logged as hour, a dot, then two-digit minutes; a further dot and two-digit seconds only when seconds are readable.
8.34
